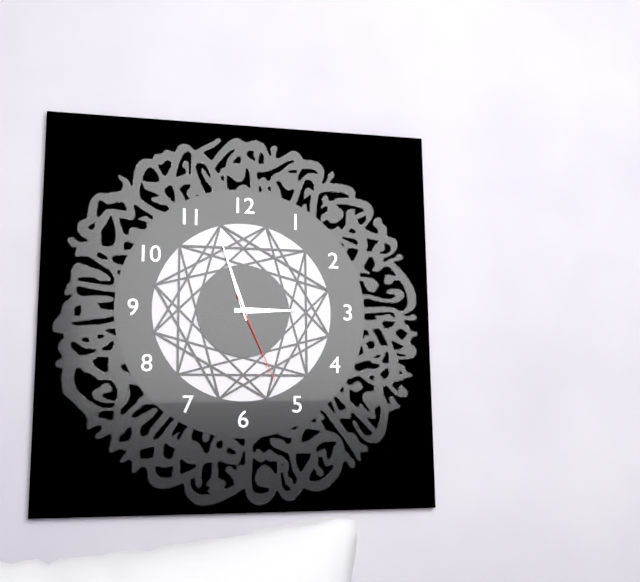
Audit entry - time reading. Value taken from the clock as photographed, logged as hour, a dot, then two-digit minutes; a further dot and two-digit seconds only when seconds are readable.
2.57.26
